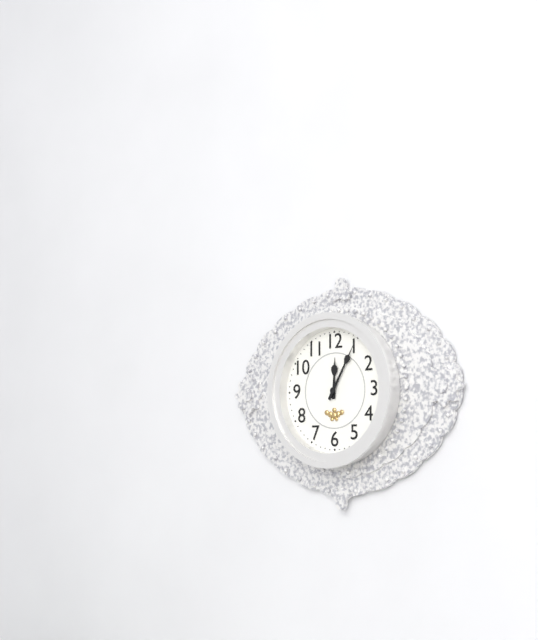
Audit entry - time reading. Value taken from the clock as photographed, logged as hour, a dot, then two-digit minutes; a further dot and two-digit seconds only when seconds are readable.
12.05
